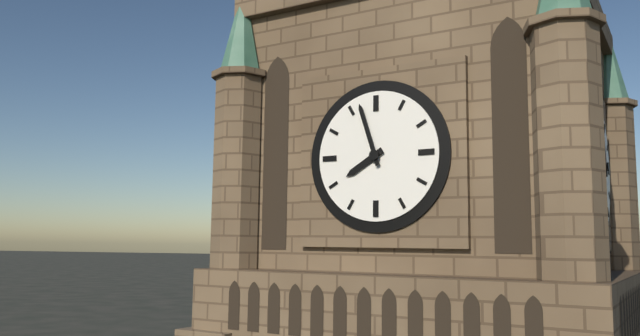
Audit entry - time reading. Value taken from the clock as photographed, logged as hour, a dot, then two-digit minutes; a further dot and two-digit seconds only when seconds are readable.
7.57
